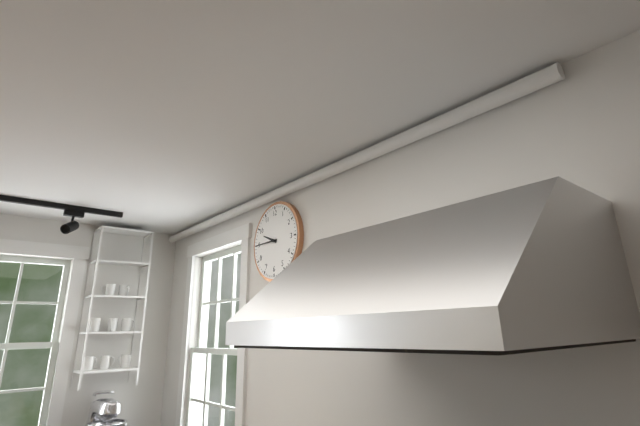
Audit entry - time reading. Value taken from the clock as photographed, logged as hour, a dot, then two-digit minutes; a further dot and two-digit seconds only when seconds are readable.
9.45
